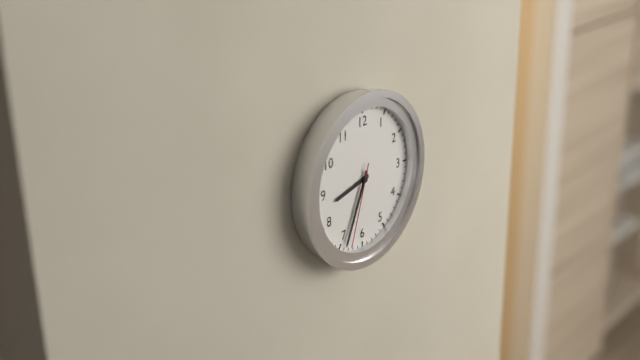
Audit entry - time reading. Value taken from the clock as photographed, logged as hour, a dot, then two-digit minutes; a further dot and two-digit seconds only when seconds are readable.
8.34.33
